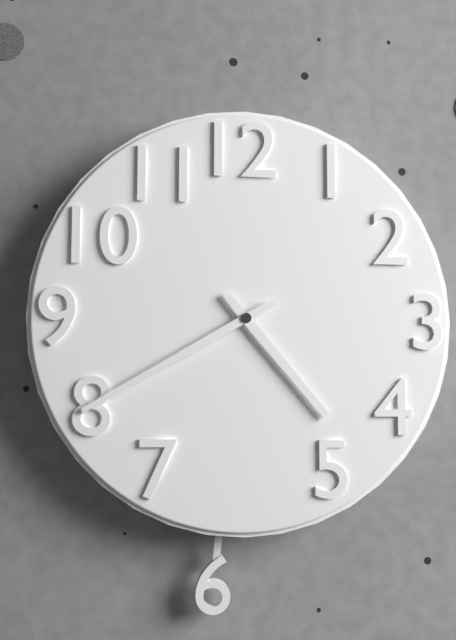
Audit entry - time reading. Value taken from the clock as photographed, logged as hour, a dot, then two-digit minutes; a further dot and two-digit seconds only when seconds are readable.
4.40
